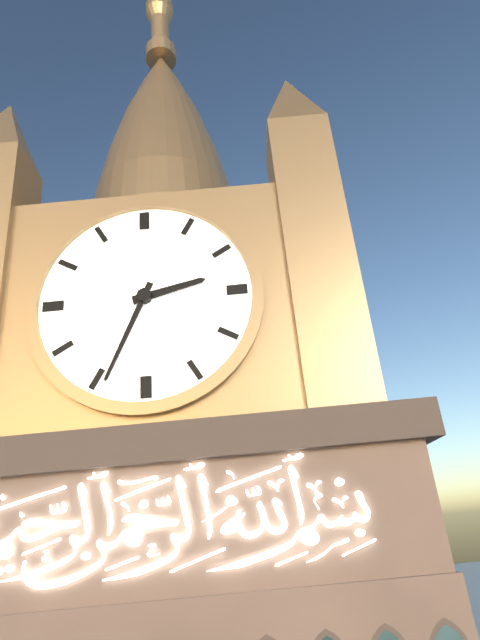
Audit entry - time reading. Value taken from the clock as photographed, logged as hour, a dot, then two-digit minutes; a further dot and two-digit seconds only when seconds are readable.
2.34
